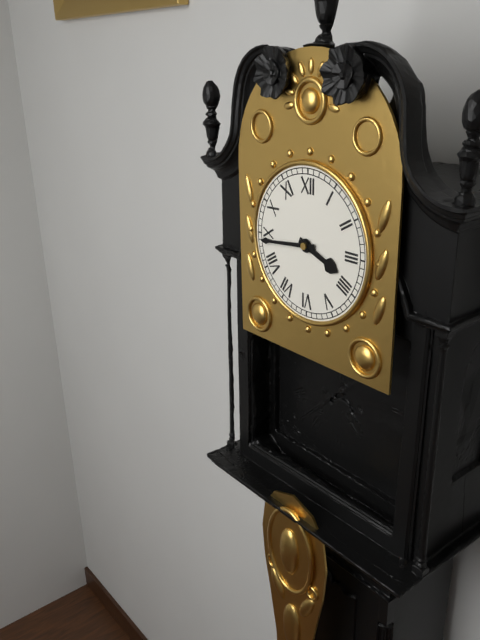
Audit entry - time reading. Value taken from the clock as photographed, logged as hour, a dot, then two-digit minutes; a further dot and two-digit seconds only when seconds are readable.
3.44
